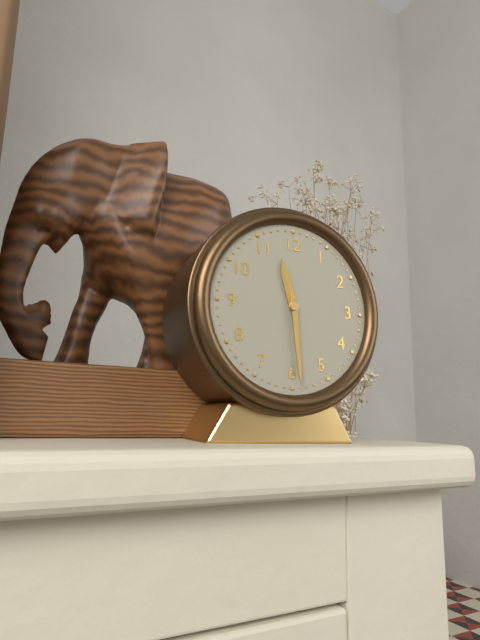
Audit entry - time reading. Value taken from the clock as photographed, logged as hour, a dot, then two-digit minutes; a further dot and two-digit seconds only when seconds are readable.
11.29
